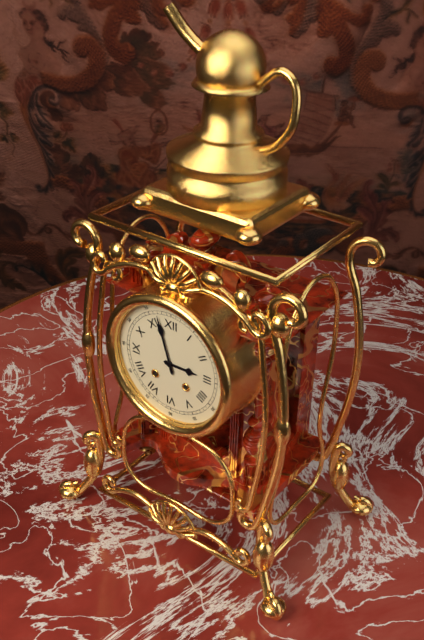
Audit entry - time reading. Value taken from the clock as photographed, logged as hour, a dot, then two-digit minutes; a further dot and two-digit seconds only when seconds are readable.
2.57
